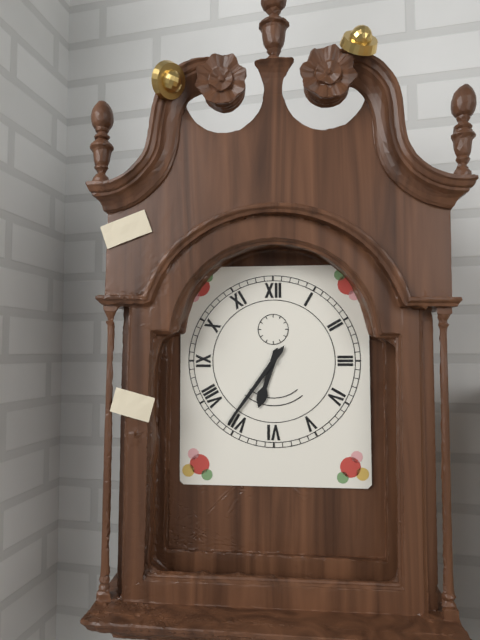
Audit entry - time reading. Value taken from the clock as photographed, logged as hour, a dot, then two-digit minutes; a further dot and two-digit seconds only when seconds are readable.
6.36
